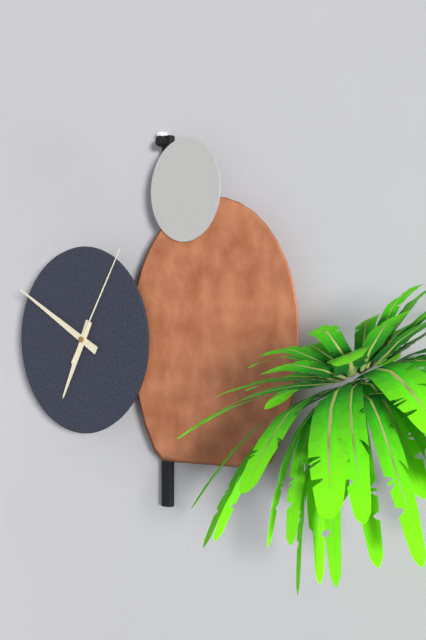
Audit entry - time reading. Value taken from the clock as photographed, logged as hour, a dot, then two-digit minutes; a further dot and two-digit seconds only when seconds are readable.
6.50.05
